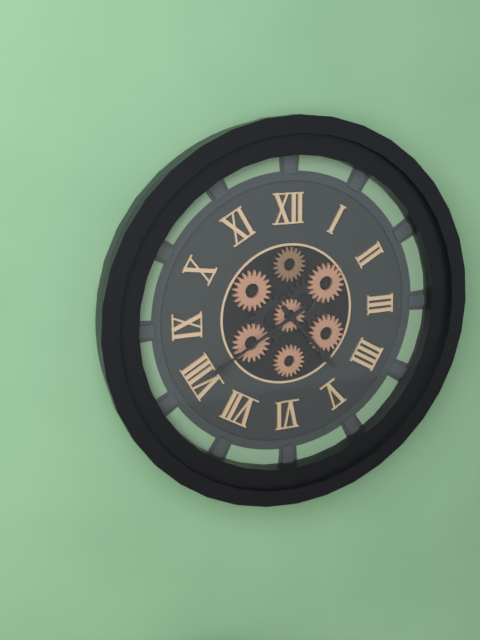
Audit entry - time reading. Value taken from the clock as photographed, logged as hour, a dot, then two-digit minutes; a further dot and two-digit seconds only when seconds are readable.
4.40
